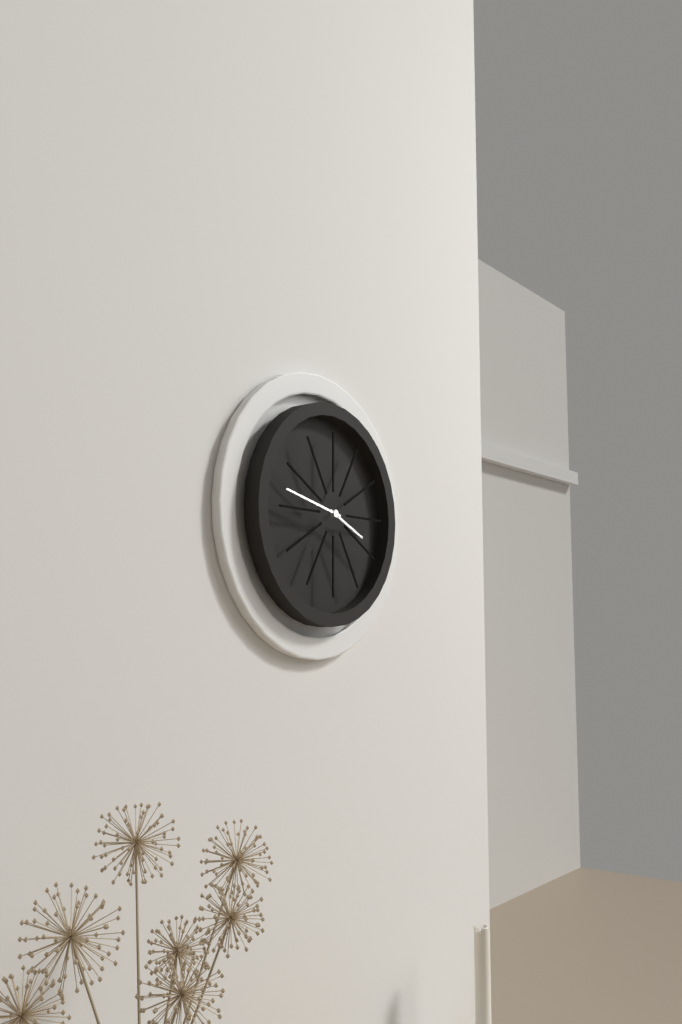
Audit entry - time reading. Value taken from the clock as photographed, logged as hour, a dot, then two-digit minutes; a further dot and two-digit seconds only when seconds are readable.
3.47
